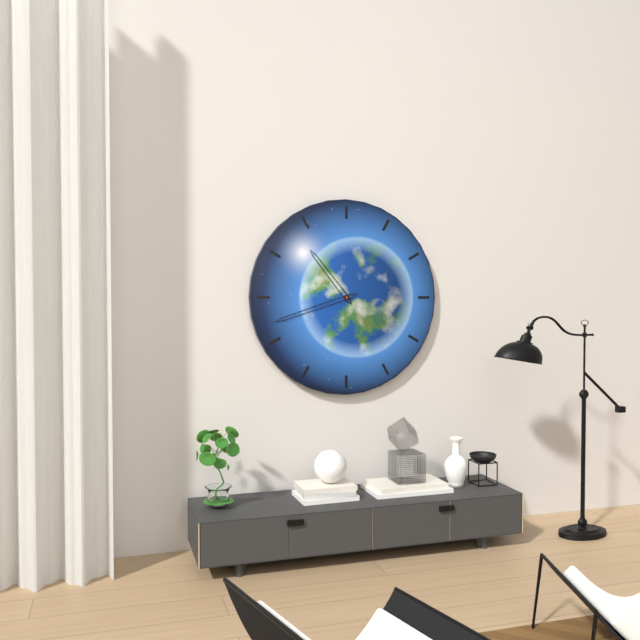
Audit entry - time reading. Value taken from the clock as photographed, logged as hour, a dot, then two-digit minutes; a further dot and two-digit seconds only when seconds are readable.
10.42
